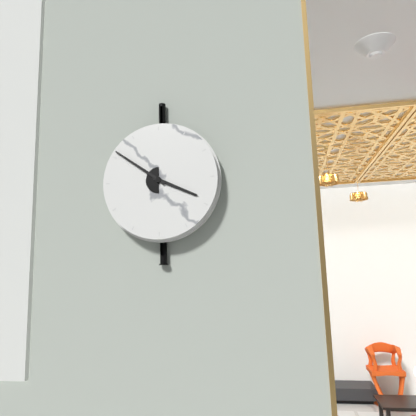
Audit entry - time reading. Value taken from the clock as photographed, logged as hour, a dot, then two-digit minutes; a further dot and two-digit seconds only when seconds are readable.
3.51
